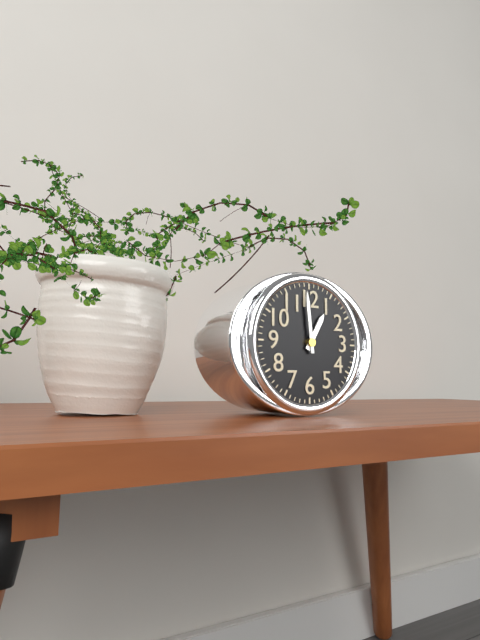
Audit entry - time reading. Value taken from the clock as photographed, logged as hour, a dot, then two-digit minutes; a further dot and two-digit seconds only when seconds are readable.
12.59
